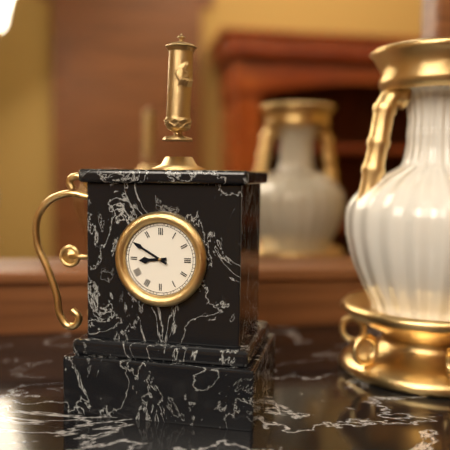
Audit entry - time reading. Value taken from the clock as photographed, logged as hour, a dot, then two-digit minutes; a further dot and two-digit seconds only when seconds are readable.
8.50
